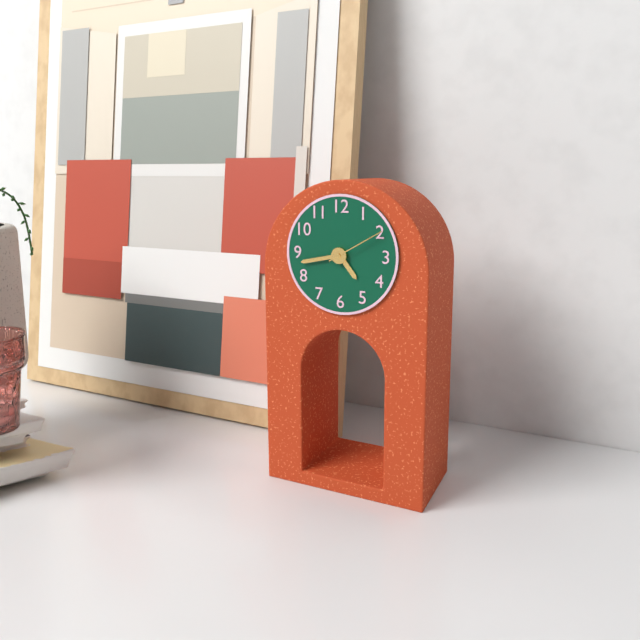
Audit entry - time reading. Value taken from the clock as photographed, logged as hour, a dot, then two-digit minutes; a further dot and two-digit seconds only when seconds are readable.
4.43.10
